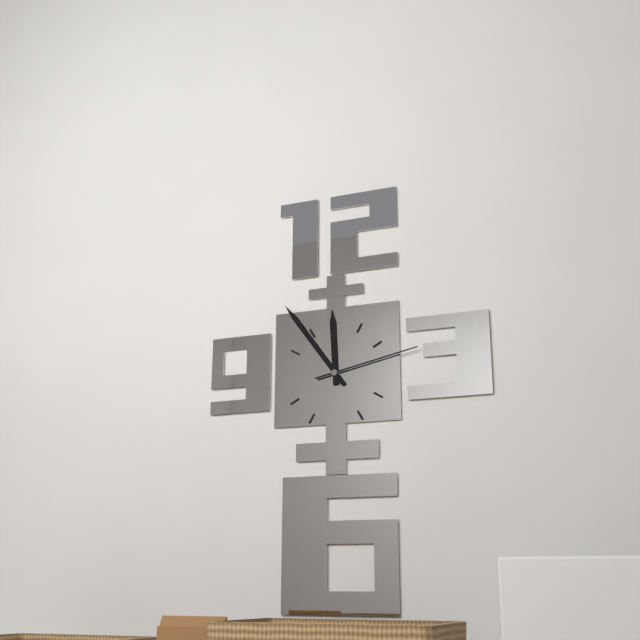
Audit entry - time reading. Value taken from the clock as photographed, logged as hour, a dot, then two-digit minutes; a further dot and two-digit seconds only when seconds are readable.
11.54.13
